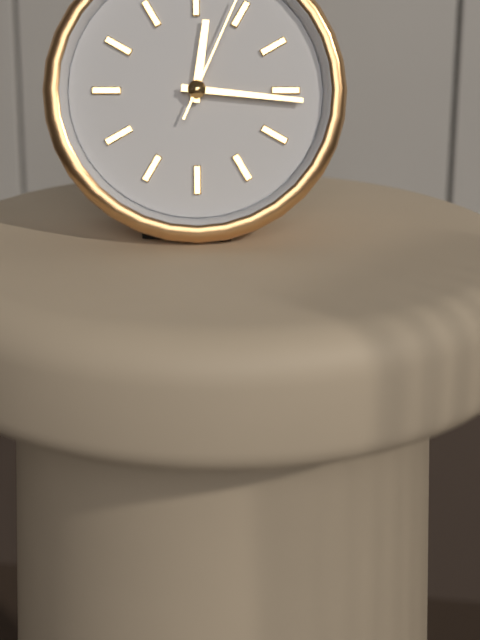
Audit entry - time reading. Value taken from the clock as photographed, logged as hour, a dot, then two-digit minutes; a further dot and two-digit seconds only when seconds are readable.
12.16
